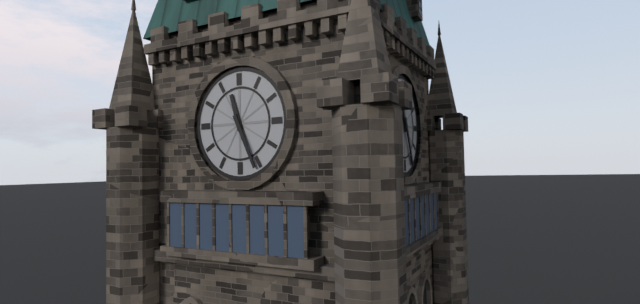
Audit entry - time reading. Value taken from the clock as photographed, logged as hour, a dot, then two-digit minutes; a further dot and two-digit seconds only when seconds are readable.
11.26
